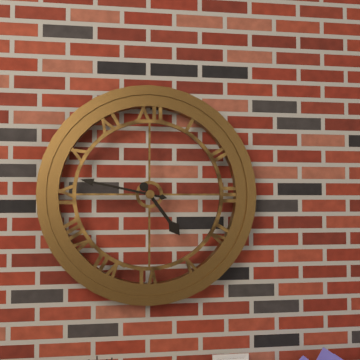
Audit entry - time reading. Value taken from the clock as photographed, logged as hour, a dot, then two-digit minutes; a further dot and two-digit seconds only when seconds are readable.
4.47
